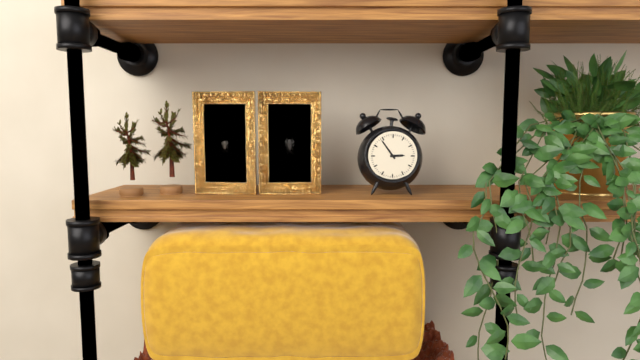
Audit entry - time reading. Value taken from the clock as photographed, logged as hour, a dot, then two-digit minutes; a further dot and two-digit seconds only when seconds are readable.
2.54
